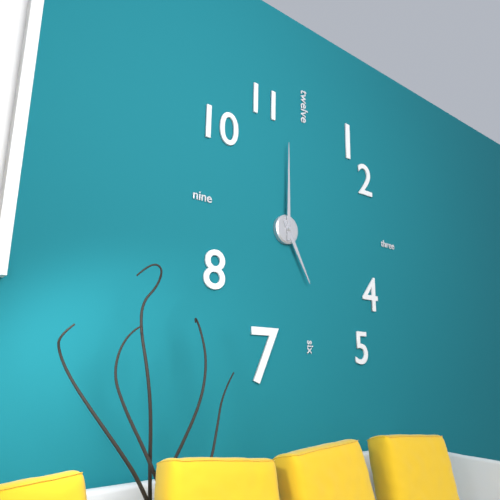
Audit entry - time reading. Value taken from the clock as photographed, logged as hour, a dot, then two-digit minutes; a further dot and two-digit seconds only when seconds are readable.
5.00
